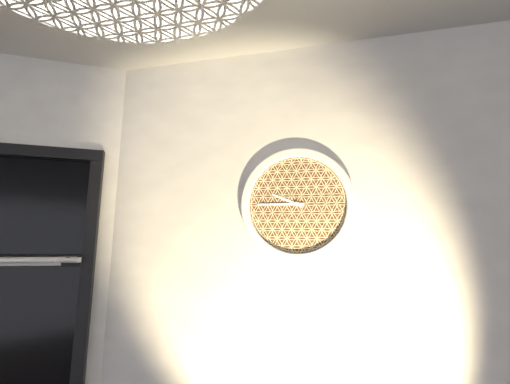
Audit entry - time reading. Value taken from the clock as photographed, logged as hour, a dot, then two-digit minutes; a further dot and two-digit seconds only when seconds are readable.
9.45
